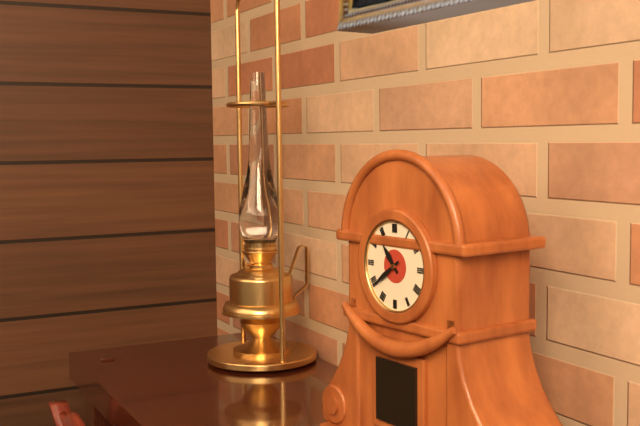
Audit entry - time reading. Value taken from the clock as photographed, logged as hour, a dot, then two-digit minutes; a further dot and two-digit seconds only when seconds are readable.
10.39
